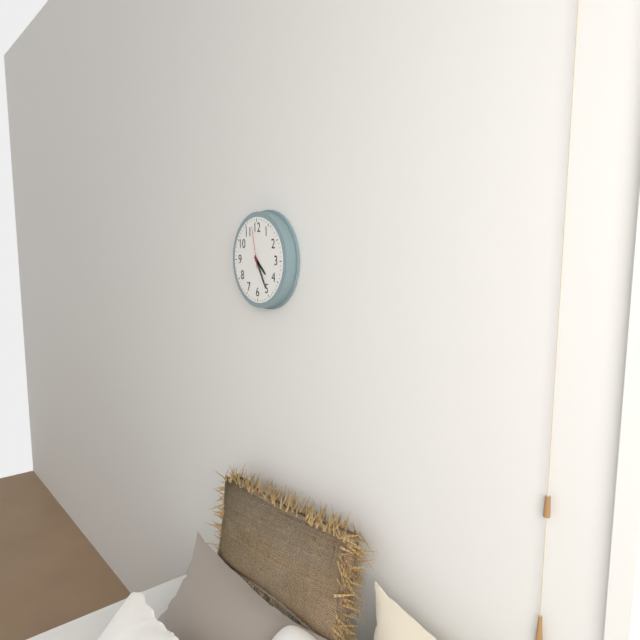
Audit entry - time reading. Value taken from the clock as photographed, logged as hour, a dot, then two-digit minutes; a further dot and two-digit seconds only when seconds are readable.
4.25
